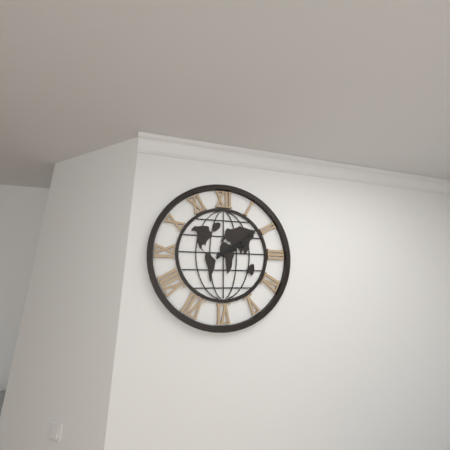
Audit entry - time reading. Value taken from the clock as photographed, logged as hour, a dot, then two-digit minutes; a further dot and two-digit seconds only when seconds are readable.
2.09
